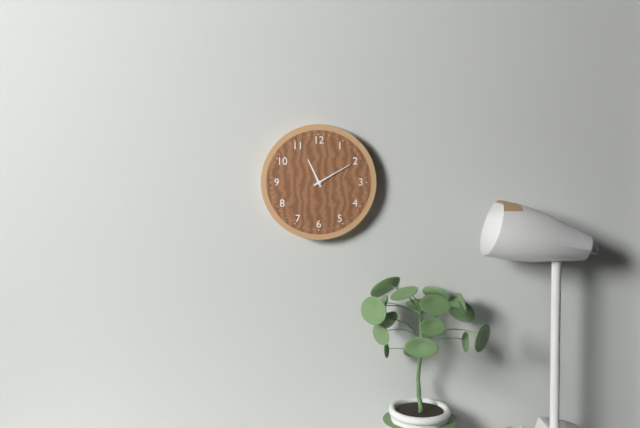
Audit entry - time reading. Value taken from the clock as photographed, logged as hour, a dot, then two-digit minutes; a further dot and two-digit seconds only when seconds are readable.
11.10
